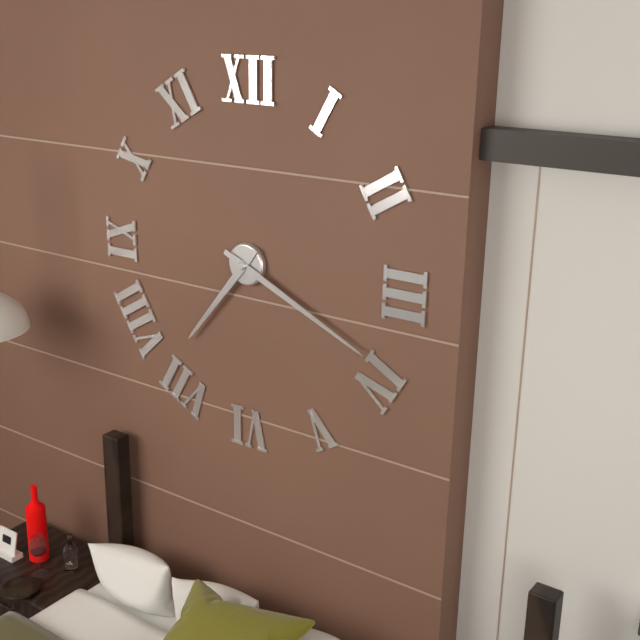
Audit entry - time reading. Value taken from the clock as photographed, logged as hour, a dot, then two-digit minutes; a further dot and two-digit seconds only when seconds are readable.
7.19
